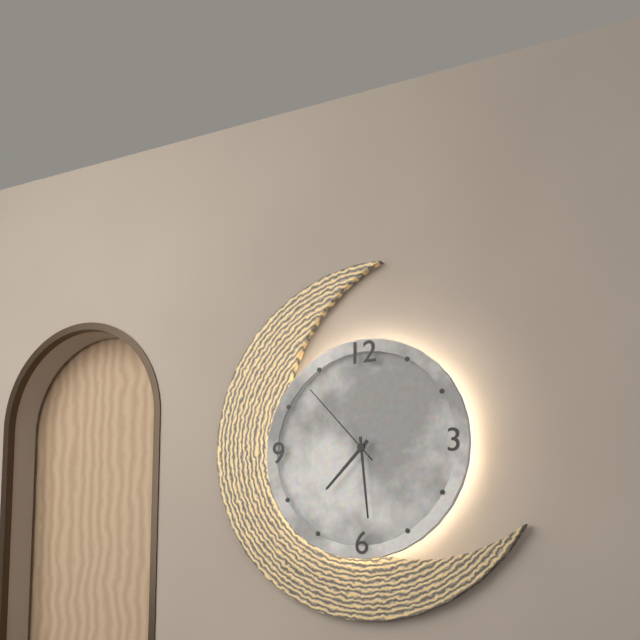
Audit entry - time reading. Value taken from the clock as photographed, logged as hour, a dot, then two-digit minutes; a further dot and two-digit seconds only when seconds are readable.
7.29.53
